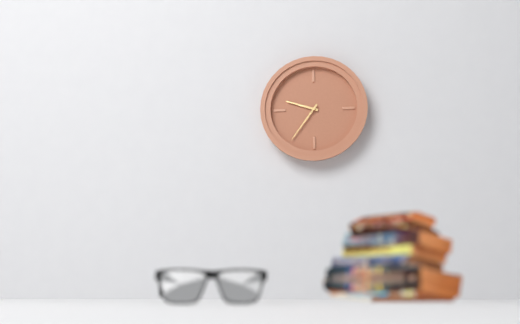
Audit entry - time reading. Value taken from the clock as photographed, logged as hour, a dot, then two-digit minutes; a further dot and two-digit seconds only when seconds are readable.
9.36
